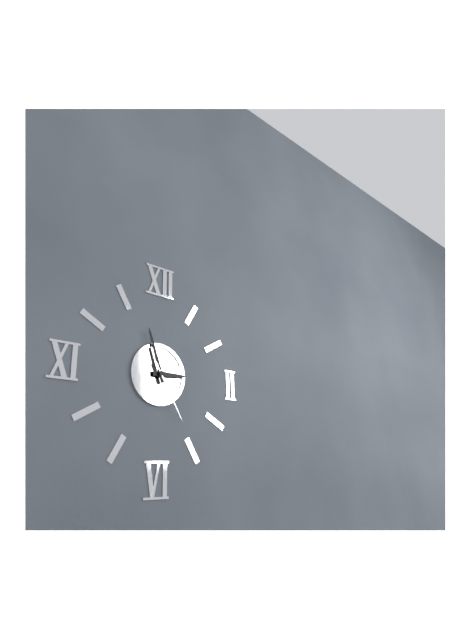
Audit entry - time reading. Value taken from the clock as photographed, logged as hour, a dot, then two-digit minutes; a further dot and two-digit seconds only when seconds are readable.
2.57.25
